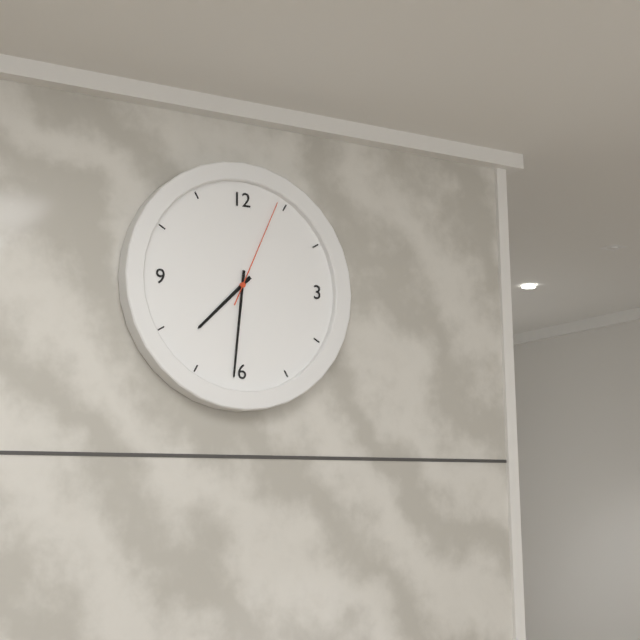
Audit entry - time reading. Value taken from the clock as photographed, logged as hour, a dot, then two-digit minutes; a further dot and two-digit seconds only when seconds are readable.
7.31.04
